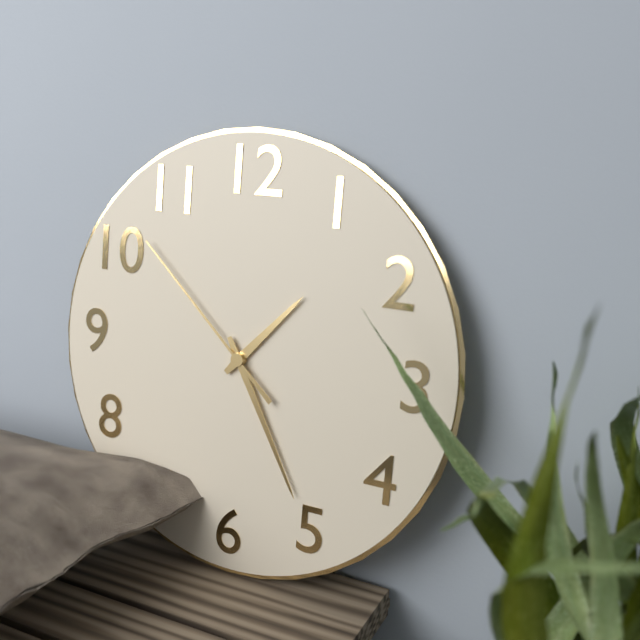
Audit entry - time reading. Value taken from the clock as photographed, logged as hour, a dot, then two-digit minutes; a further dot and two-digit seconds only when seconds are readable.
1.25.52
